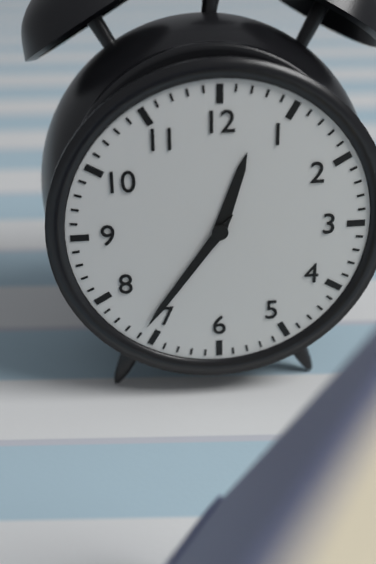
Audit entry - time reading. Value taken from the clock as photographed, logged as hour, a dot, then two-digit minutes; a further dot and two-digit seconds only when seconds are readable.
12.36
